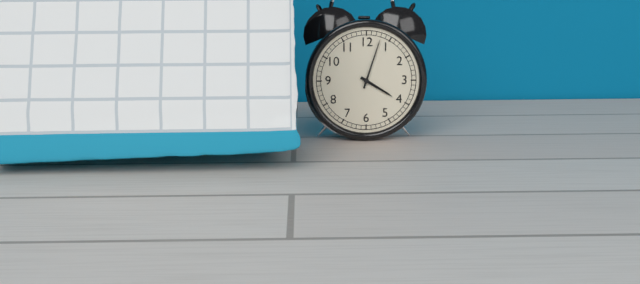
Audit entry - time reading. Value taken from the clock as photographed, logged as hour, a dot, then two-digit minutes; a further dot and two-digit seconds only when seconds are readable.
4.03
